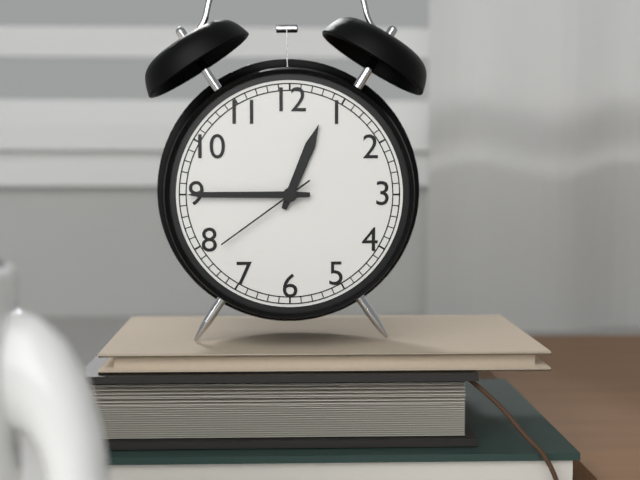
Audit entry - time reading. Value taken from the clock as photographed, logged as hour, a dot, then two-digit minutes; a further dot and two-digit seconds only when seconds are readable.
12.45.39
